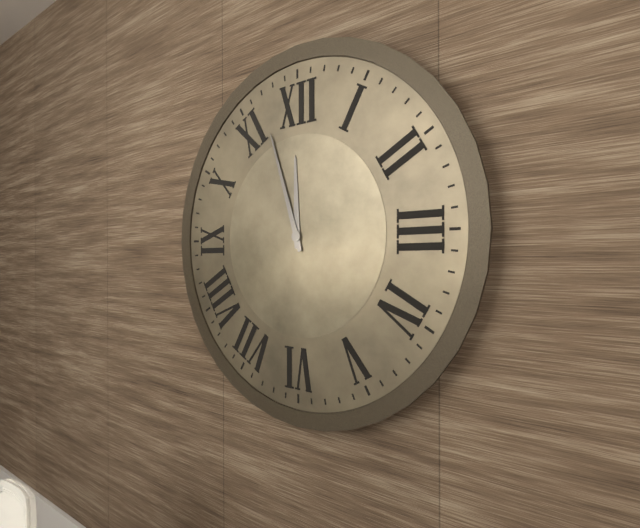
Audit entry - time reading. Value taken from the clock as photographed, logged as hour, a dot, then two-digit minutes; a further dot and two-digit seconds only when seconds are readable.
11.57
